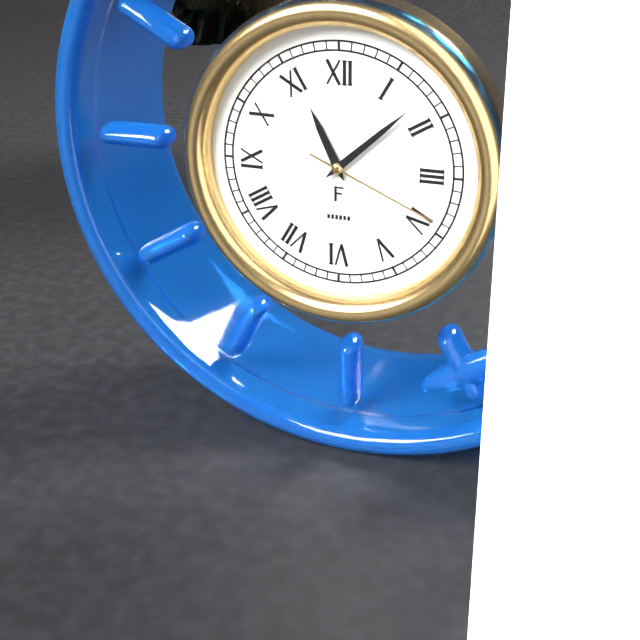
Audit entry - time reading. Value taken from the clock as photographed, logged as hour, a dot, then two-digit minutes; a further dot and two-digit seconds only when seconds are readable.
11.08.19
